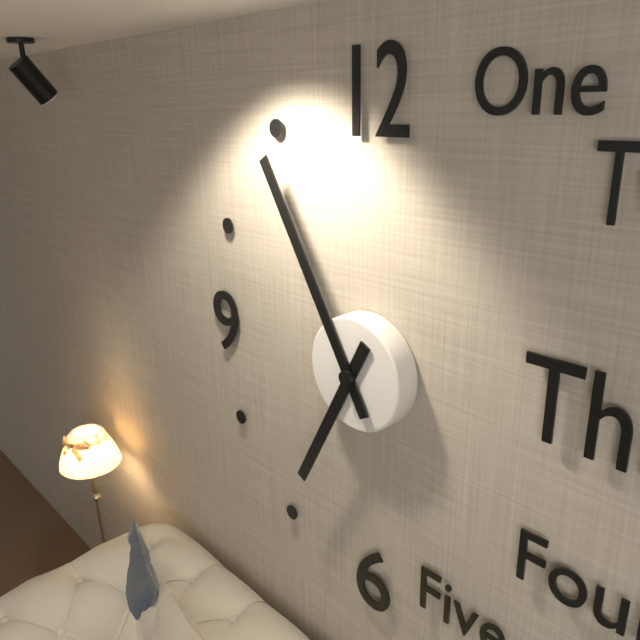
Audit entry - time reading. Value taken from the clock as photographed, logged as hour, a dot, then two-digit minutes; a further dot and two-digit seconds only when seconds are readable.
6.55
